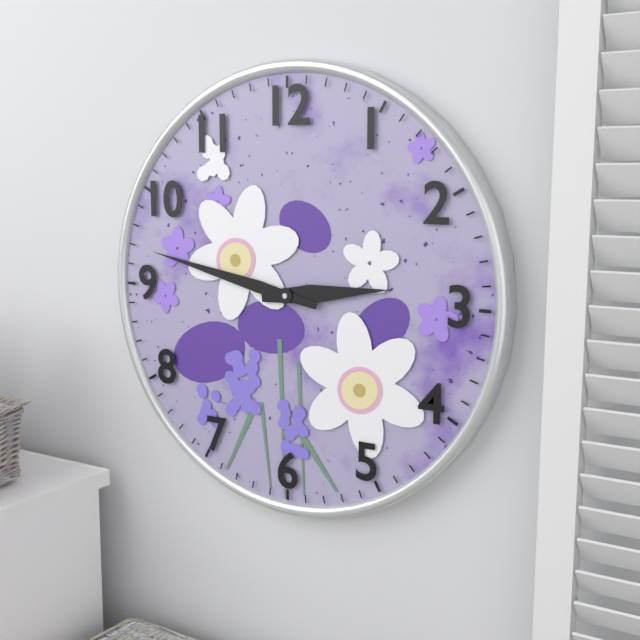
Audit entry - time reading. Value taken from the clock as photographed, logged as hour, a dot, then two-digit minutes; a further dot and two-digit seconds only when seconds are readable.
2.47
